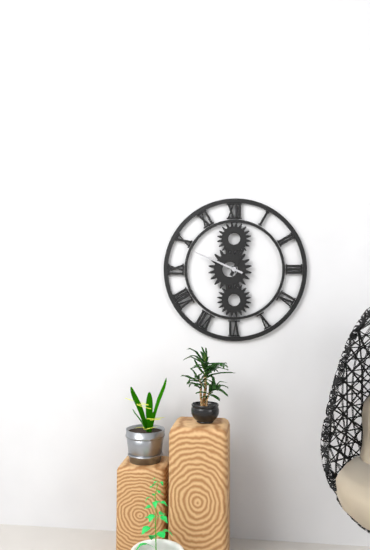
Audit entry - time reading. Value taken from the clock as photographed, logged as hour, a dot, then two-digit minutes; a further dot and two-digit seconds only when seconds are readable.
12.49
